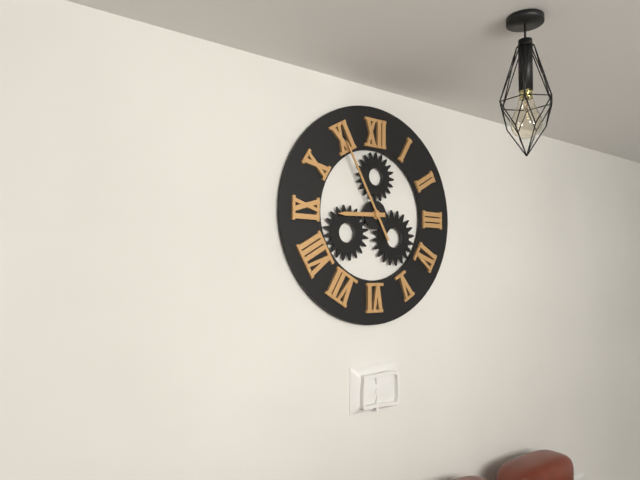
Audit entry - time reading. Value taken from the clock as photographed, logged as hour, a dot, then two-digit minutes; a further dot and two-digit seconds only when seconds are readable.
8.55
